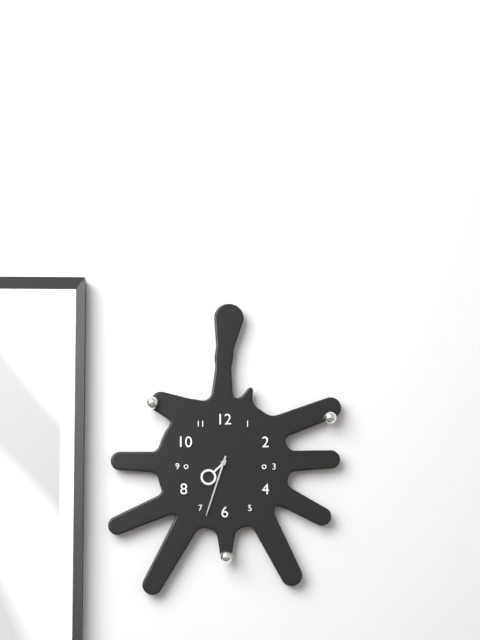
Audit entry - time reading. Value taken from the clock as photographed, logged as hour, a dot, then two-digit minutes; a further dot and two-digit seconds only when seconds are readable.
7.33
